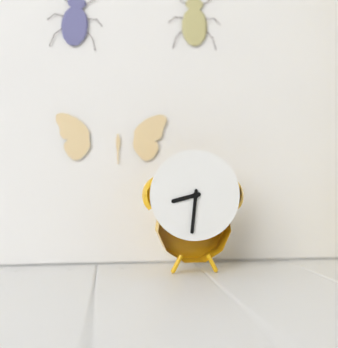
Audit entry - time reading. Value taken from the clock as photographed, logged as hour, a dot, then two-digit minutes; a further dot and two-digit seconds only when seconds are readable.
8.31
